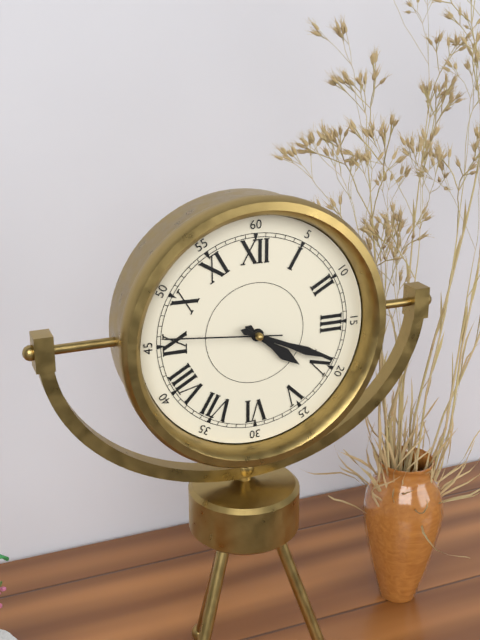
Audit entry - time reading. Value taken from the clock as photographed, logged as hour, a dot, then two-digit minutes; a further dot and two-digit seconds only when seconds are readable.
4.19.46
